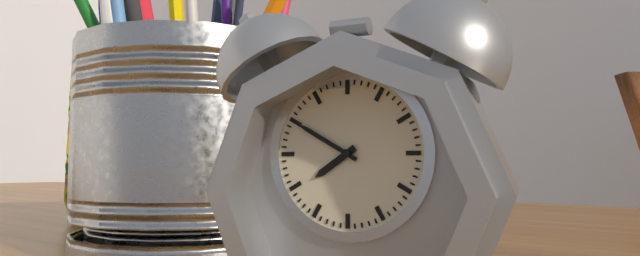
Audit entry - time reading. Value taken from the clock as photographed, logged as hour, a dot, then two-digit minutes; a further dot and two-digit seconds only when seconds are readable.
7.50
